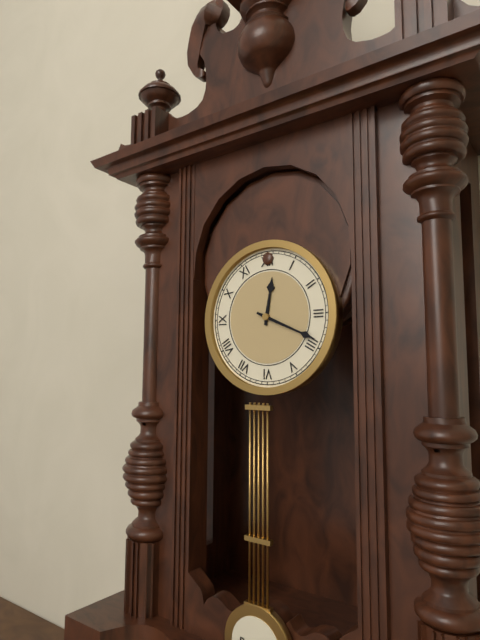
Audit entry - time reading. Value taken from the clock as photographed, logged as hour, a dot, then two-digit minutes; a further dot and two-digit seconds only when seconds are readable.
12.19
